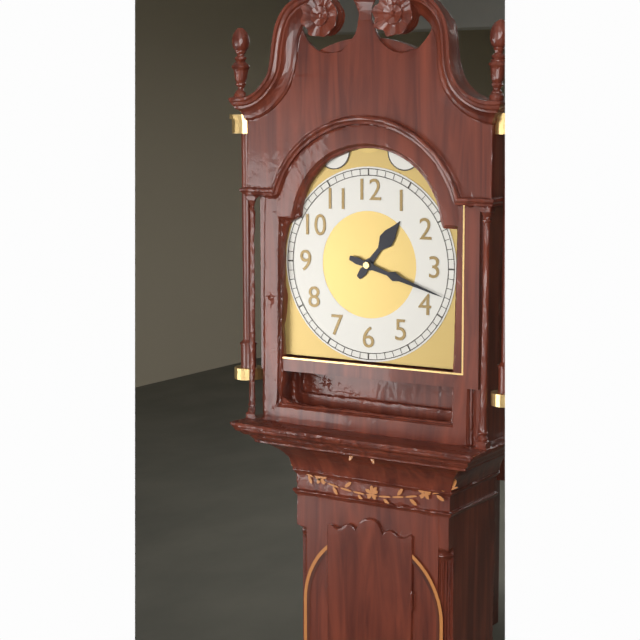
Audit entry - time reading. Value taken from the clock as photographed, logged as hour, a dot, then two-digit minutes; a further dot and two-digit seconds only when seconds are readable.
1.18
